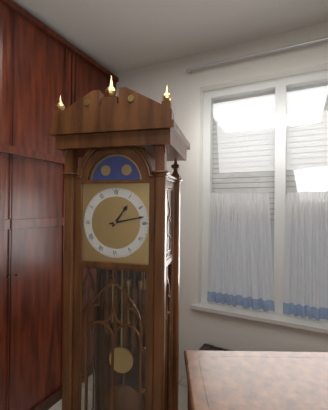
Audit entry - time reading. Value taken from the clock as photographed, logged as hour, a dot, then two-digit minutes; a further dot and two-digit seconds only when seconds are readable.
1.13
